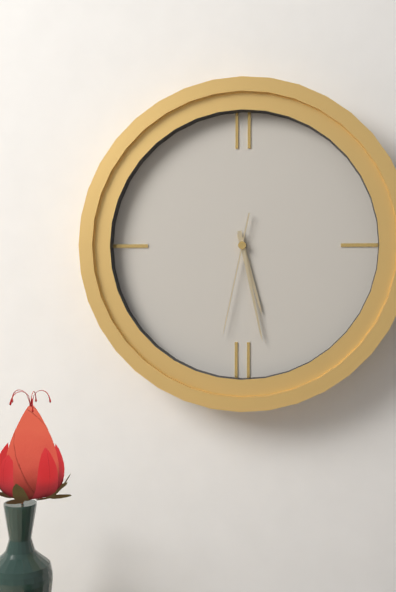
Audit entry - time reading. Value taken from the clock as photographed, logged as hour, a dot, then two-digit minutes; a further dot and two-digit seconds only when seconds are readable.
5.28.32
